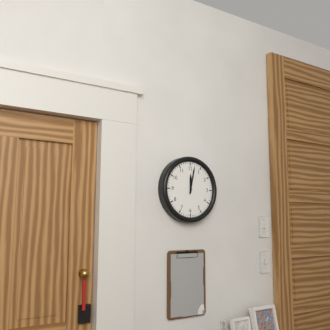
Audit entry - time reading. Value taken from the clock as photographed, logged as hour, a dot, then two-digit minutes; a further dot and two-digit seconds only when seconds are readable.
12.02
